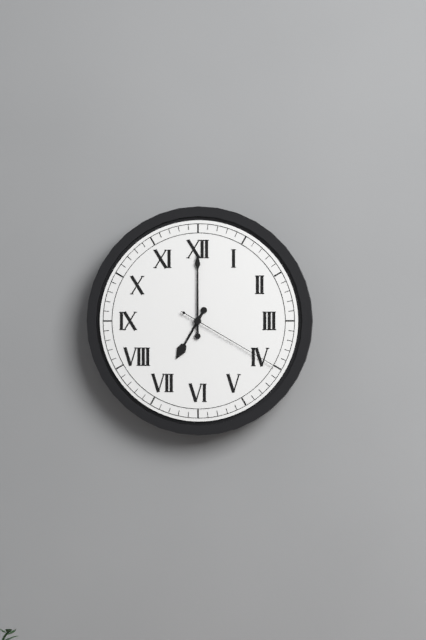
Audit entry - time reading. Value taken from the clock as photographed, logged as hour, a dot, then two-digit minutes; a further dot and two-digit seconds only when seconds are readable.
7.00.20
